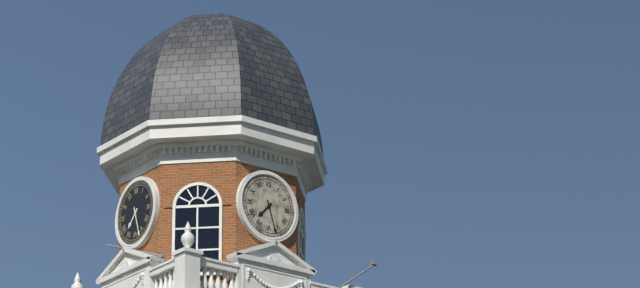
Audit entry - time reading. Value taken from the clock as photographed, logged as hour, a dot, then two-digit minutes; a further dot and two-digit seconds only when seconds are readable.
7.27
